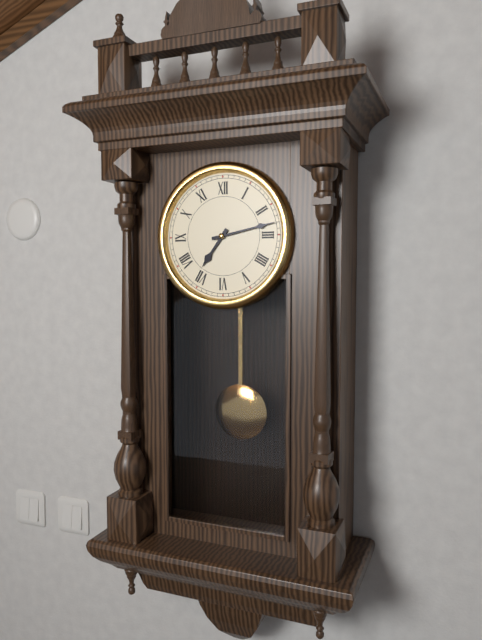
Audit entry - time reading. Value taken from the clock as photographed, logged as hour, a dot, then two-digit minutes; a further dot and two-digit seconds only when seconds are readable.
7.13
